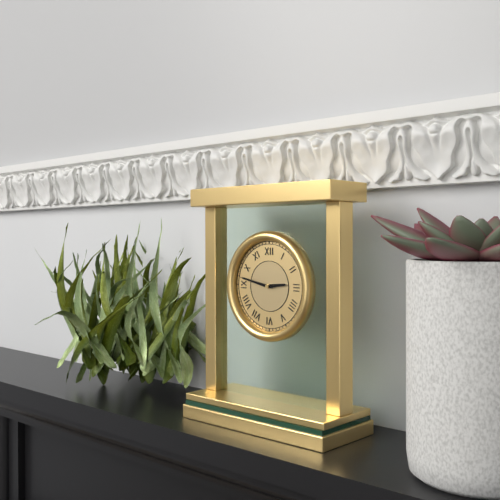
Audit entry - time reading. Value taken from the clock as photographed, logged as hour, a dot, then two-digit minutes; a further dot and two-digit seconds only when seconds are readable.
2.47
